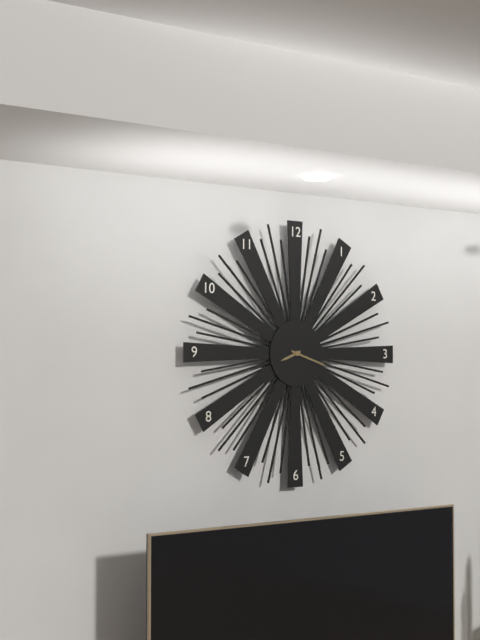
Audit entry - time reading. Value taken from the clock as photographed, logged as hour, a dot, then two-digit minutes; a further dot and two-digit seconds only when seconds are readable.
8.18
